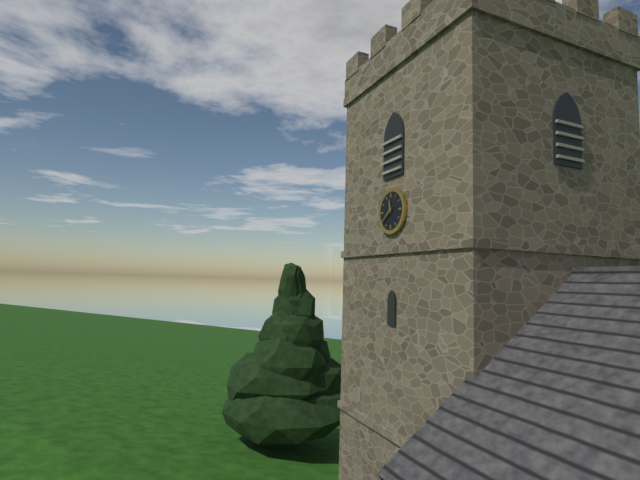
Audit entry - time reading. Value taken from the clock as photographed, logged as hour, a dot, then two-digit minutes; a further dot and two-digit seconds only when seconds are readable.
11.39
